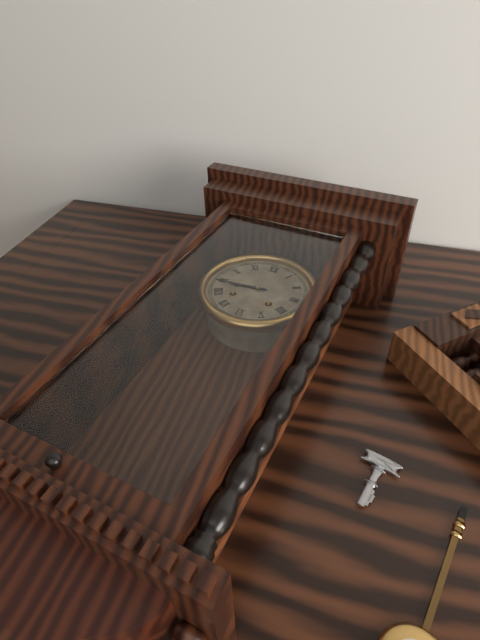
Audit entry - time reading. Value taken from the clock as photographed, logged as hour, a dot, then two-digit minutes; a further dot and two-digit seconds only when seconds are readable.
8.44
